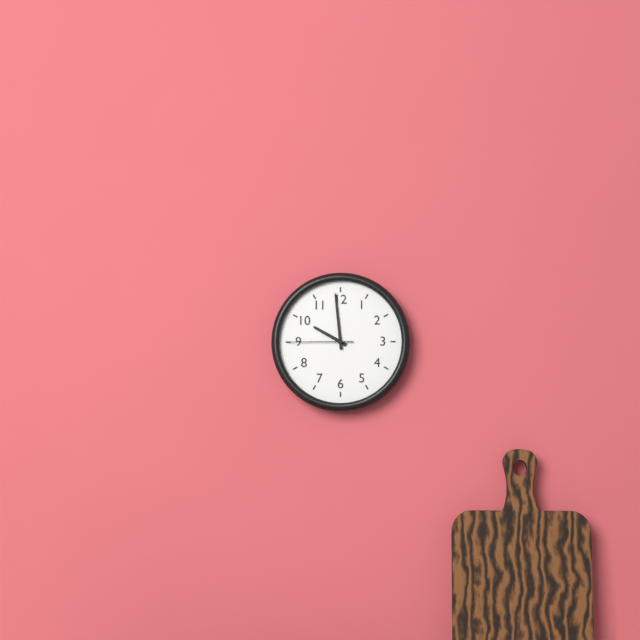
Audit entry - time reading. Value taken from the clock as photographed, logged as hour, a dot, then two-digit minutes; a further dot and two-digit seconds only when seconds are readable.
9.59.45
